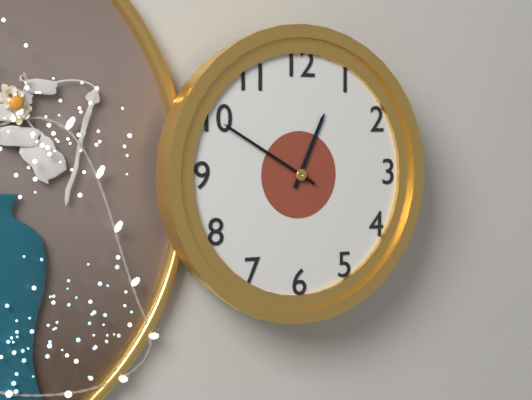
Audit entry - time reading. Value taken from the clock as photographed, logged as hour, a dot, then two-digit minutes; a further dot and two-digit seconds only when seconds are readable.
12.50
